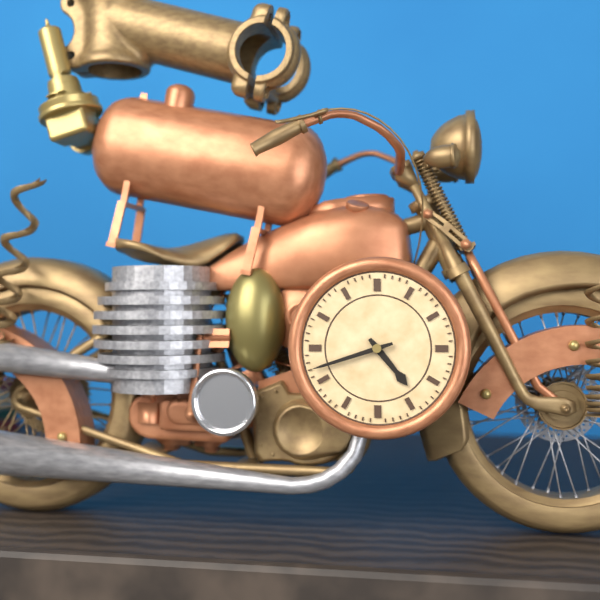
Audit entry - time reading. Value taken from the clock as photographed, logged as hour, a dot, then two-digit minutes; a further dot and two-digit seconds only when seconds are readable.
4.42
